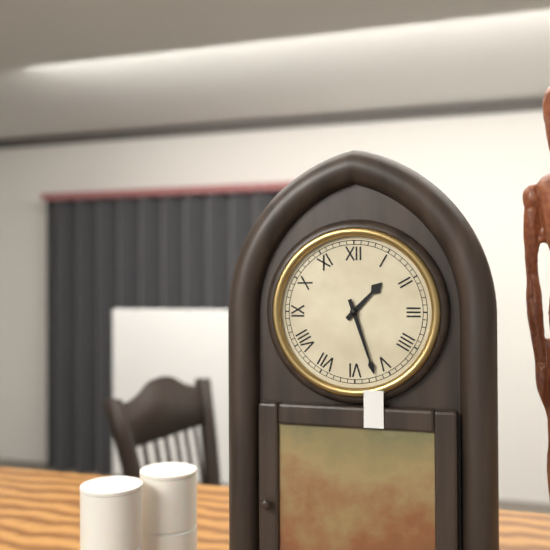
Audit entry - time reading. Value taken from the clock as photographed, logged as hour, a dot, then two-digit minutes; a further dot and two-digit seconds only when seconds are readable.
1.27
